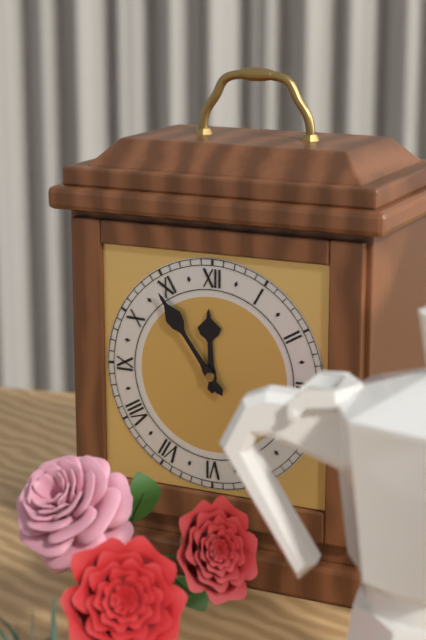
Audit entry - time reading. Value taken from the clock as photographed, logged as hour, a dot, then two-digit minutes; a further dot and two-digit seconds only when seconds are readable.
11.54
